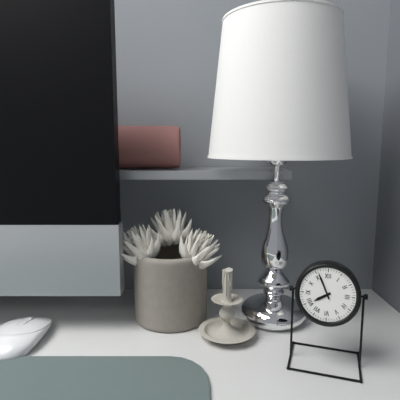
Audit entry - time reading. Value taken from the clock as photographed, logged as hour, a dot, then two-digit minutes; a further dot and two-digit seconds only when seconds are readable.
7.56
